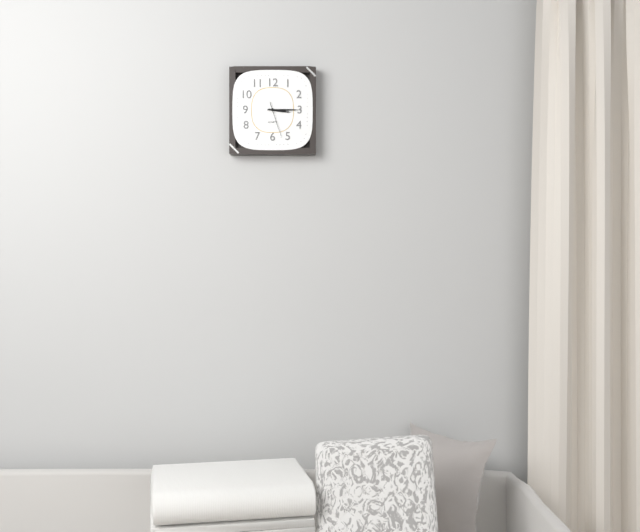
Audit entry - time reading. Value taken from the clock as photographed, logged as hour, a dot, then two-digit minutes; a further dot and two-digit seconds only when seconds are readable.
3.15
